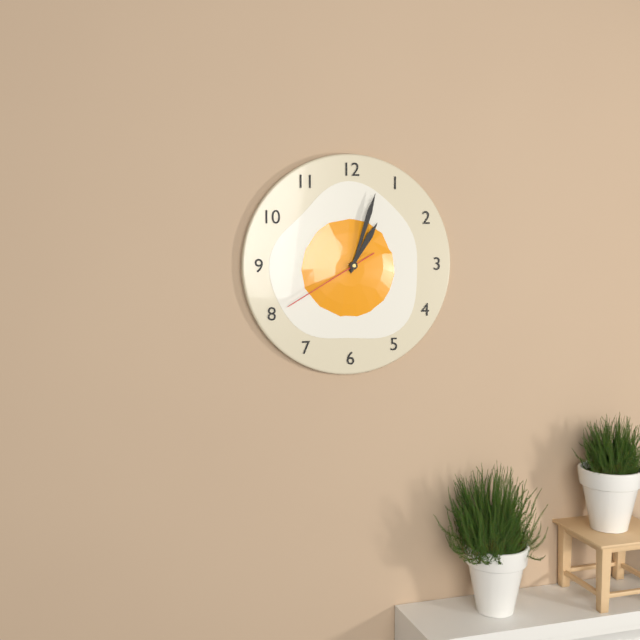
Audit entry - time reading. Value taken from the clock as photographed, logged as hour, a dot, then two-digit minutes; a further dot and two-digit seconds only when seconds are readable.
1.03.40
